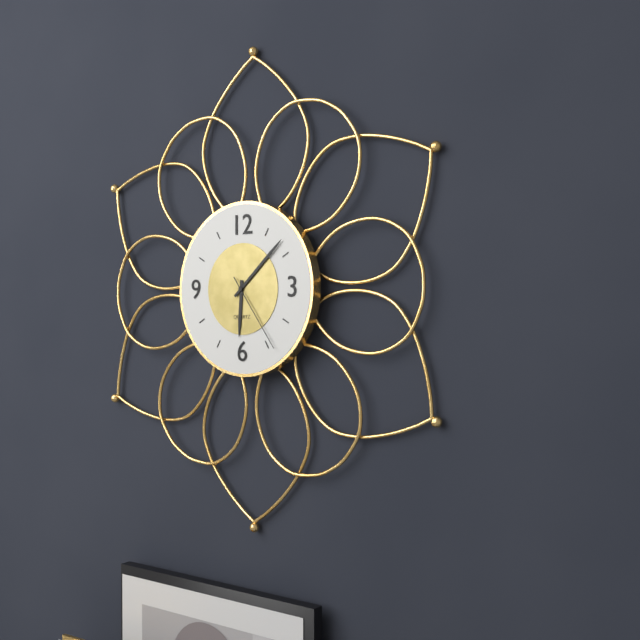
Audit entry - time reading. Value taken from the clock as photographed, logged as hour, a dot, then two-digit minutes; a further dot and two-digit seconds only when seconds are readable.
6.08.24
